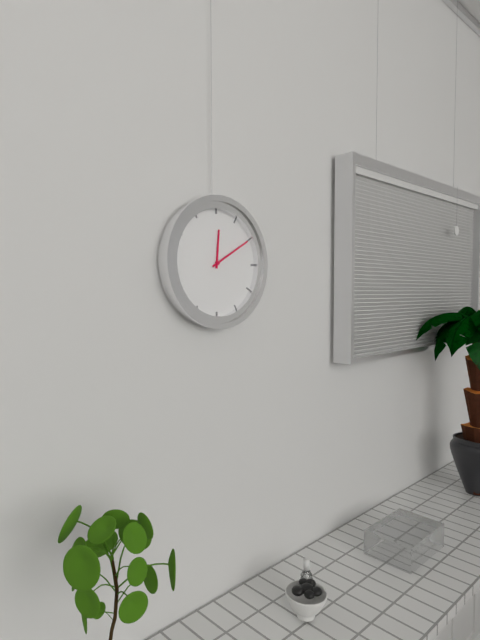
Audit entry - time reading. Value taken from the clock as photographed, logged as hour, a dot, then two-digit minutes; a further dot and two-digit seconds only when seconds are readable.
12.10
